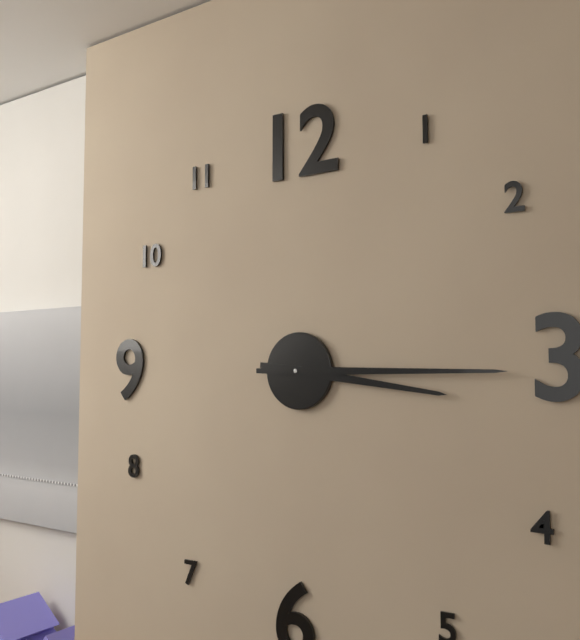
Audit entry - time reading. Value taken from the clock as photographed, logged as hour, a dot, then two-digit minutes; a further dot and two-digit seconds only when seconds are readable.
3.15
